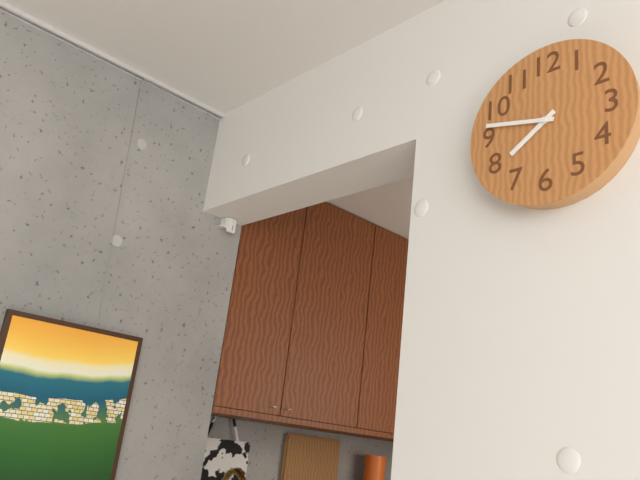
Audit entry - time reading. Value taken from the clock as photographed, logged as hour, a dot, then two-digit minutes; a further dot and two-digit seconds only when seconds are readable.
7.47
